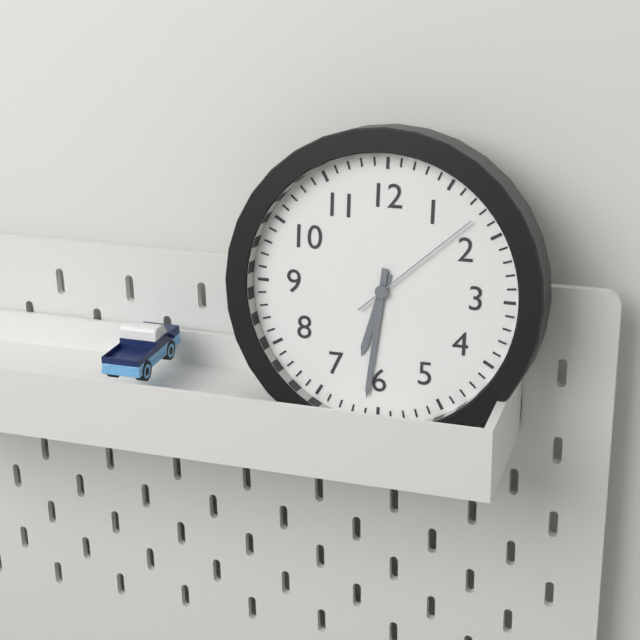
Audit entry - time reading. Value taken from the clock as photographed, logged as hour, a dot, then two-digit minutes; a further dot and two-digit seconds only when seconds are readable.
6.31.08
